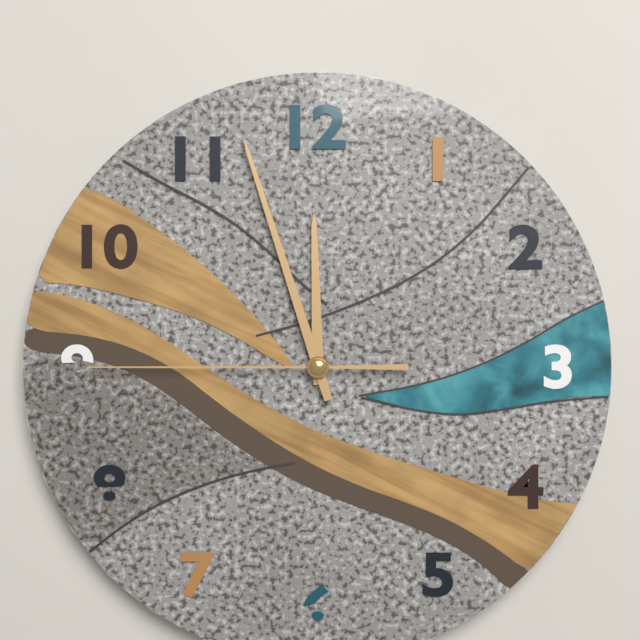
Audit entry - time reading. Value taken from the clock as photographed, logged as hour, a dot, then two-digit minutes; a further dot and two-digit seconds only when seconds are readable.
11.57.45
